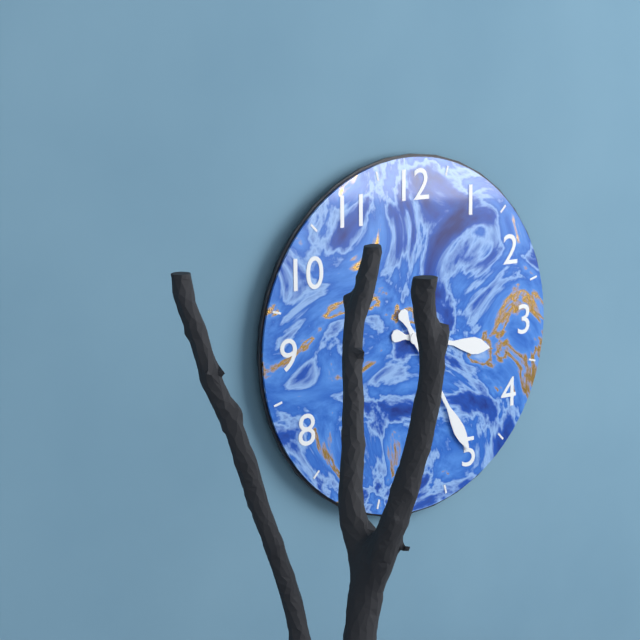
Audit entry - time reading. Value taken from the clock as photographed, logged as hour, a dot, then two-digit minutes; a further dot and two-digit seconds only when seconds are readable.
3.25
